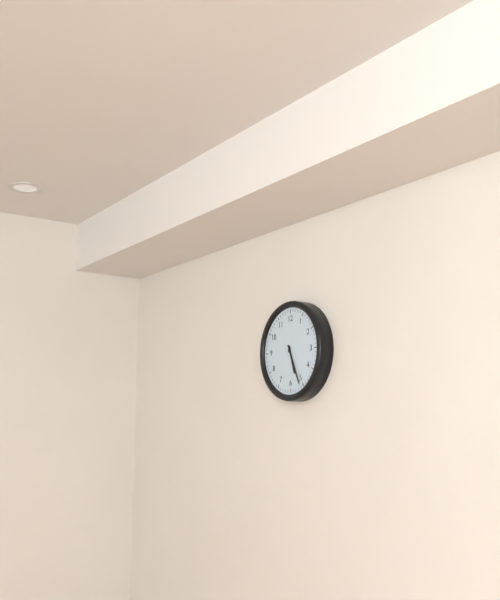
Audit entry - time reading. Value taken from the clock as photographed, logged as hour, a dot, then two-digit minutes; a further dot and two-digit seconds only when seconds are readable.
5.26
